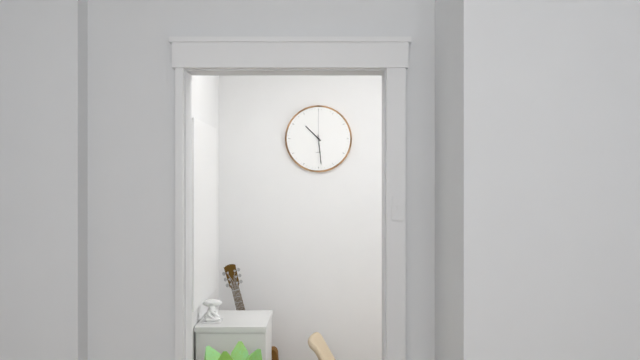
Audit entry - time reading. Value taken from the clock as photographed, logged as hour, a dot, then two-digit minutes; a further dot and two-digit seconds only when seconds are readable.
10.29
